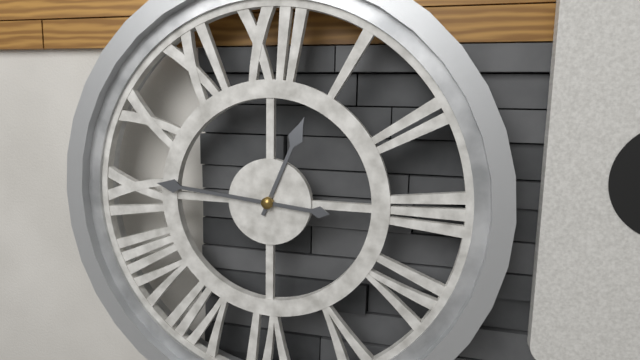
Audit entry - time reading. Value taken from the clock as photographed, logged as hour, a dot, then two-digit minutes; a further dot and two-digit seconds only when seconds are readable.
12.46
